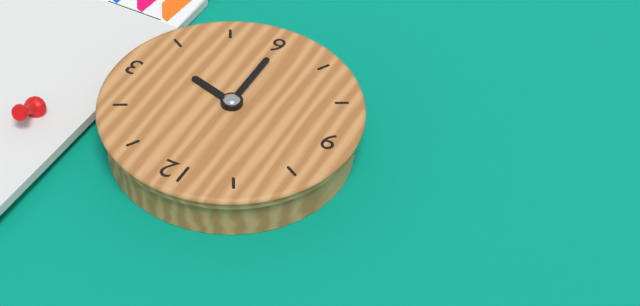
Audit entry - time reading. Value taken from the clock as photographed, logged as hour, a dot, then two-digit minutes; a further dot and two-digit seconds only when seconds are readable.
3.30
